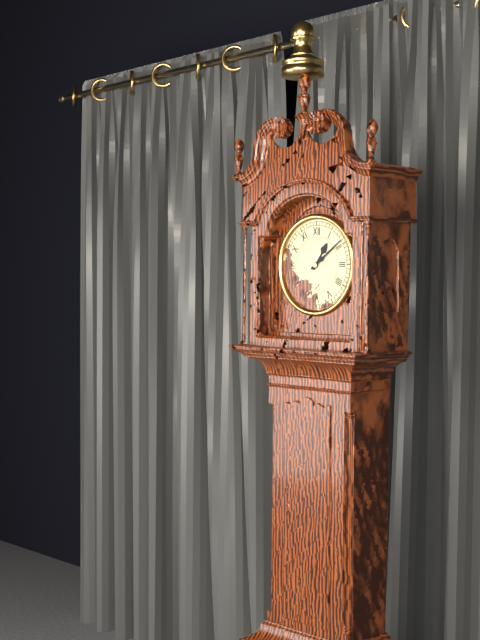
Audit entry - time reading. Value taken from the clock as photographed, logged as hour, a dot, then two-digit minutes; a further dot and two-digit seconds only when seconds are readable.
1.09
